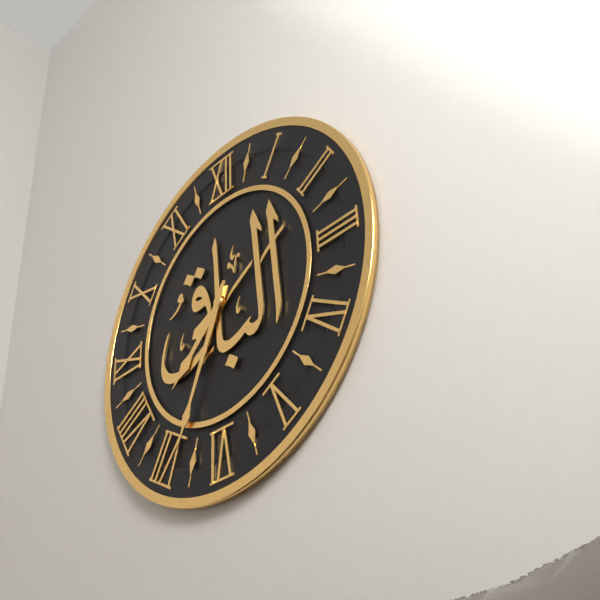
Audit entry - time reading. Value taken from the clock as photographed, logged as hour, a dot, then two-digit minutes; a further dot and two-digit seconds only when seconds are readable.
7.34
